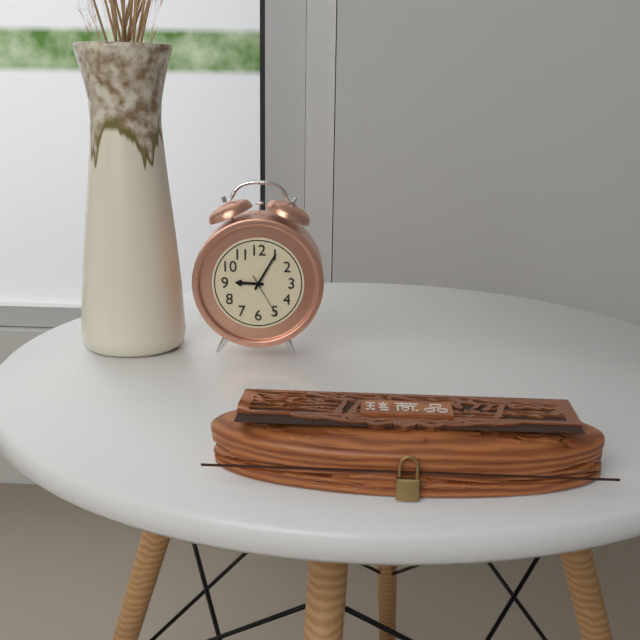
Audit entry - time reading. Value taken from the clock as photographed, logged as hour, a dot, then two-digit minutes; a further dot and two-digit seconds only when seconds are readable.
9.05
